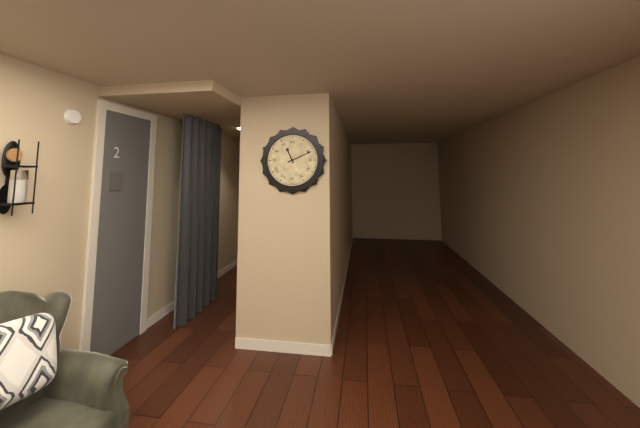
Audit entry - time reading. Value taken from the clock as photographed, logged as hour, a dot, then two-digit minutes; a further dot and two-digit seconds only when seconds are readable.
11.11
